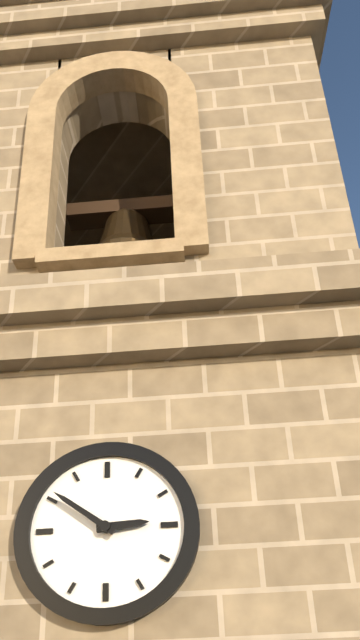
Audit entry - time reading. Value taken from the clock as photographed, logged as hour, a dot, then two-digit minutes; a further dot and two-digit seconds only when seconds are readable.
2.51
